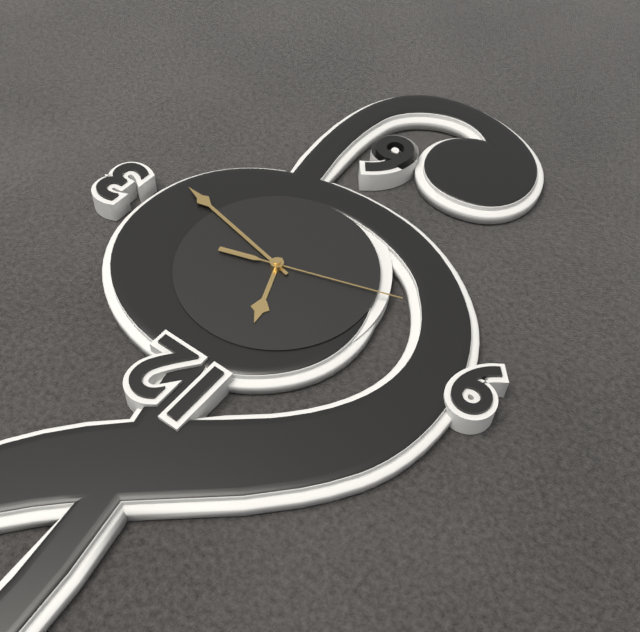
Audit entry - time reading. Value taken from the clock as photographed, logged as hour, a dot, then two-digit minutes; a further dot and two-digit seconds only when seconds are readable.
11.17.42
